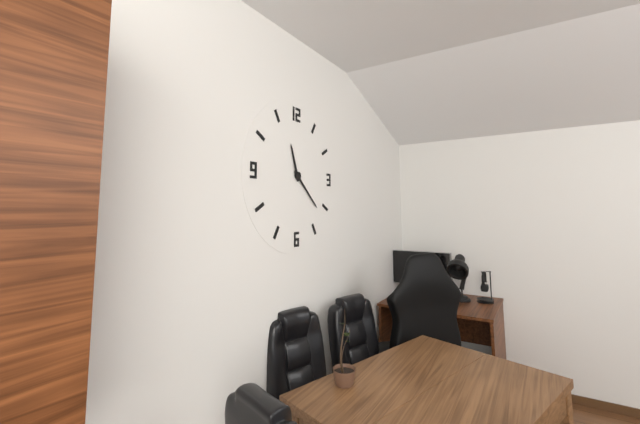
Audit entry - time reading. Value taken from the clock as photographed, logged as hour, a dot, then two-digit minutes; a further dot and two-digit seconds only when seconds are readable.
11.22
